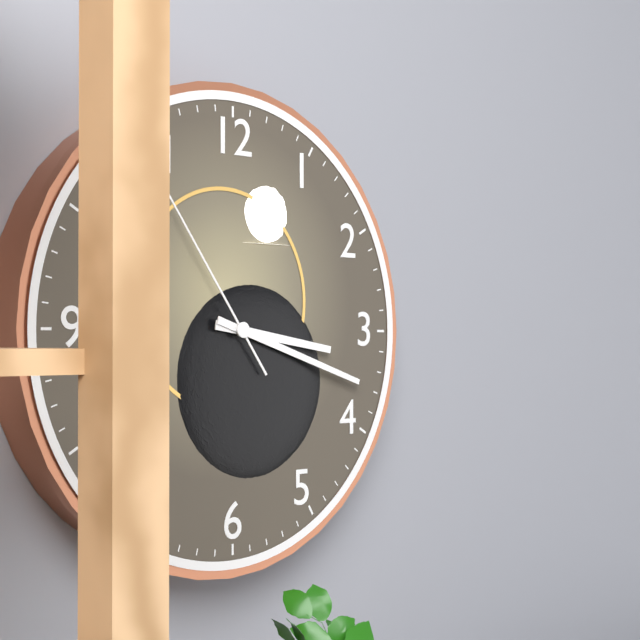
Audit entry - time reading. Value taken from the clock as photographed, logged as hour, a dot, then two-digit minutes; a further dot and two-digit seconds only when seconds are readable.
3.18.54
